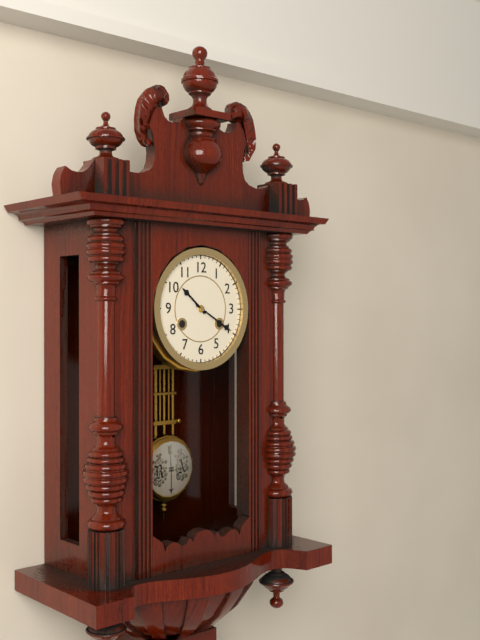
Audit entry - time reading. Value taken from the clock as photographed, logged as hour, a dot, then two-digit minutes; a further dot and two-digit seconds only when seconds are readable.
10.20
